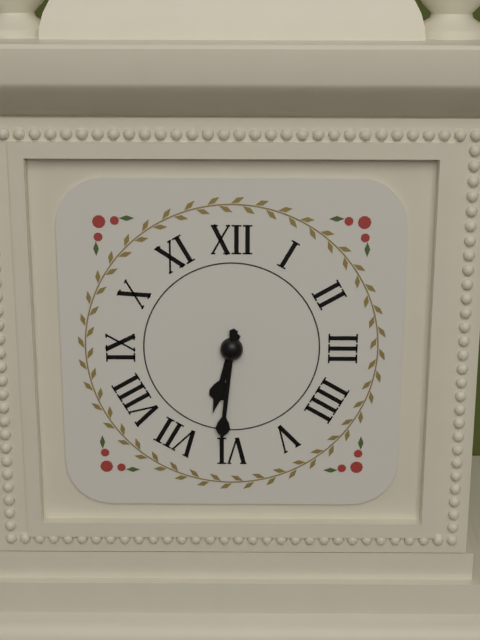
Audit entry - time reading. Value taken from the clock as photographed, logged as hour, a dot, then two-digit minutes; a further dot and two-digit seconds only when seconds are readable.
6.31
